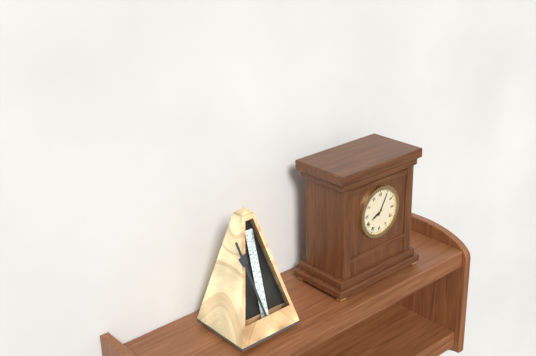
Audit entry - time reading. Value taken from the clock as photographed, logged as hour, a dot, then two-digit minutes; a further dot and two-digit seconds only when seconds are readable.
8.05
